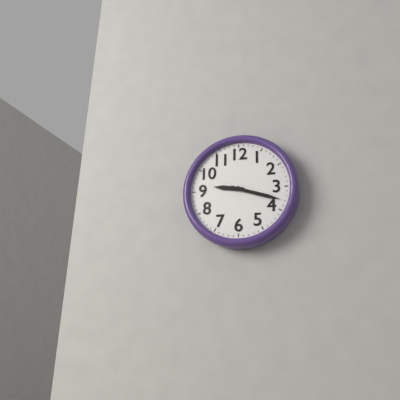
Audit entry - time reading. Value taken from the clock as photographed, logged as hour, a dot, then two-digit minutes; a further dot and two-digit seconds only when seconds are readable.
9.18
